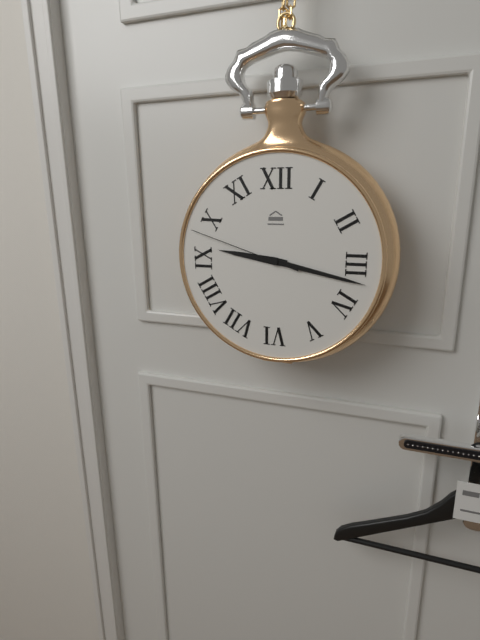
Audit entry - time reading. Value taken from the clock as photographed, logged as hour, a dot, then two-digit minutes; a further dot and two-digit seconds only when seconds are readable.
9.17.48
